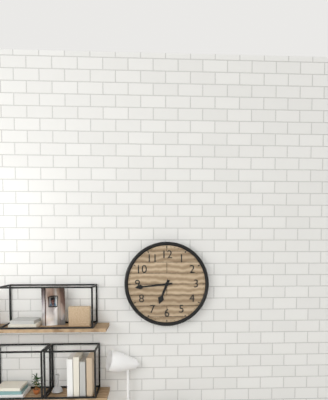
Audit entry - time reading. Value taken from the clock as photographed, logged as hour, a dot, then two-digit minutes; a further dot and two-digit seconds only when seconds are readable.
6.44
